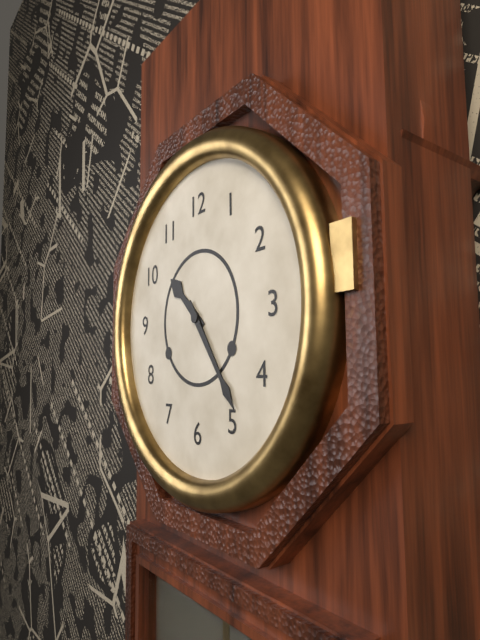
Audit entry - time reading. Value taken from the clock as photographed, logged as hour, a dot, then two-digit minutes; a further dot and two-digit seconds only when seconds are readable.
10.24
